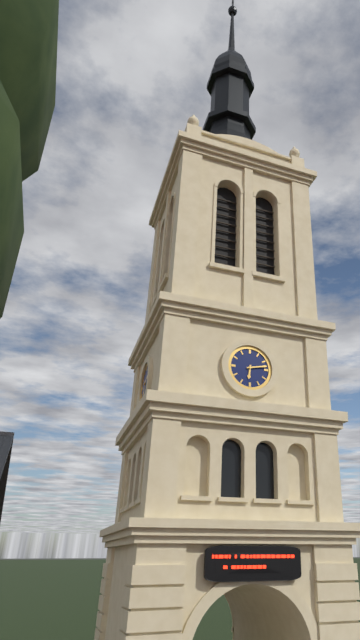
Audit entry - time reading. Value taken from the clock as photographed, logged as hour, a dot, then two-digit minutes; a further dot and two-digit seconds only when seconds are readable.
6.13
